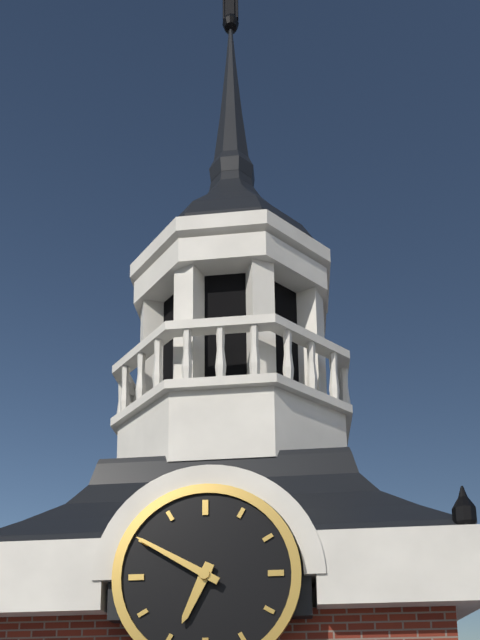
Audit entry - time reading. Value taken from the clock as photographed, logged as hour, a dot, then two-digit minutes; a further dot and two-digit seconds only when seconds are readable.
6.50
